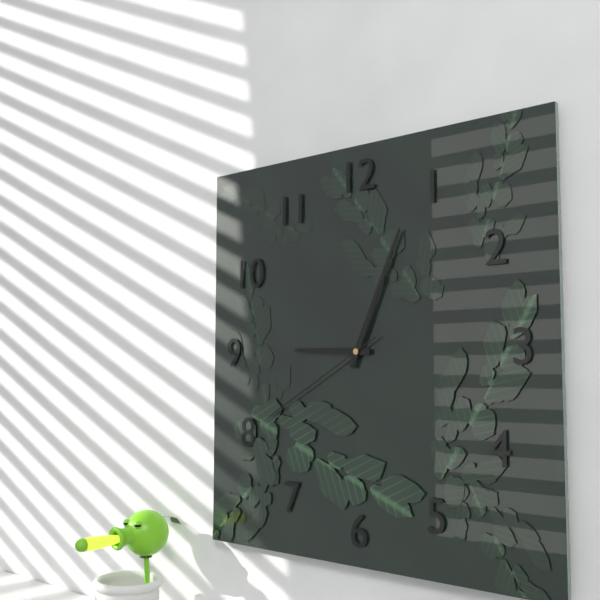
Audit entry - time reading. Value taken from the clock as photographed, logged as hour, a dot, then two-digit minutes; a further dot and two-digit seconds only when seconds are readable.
9.04.40
